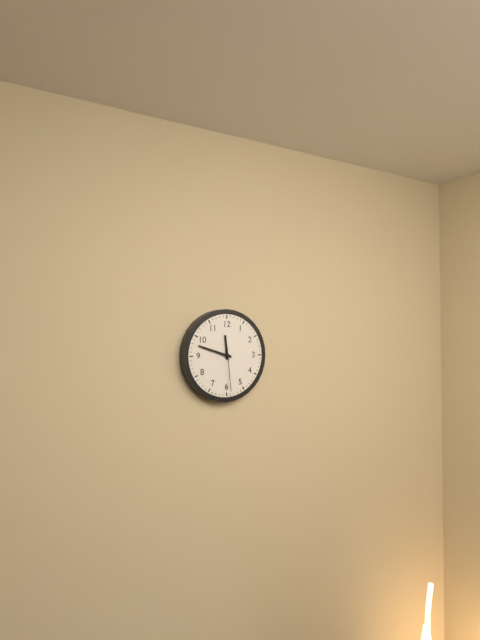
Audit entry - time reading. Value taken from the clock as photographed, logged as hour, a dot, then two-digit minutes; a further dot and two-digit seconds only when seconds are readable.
11.48
